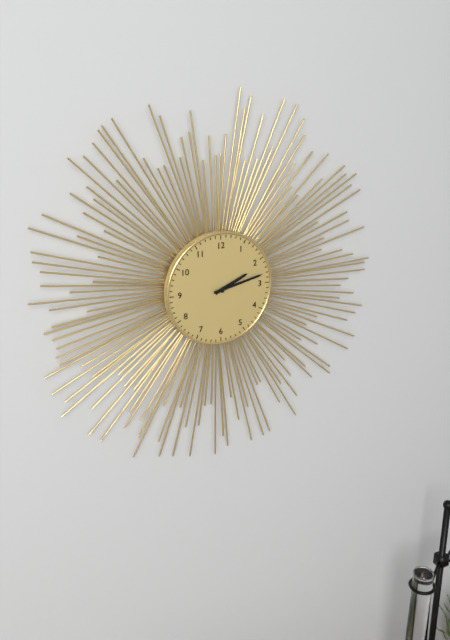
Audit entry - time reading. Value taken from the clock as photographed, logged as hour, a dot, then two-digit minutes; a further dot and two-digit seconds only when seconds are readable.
2.13
